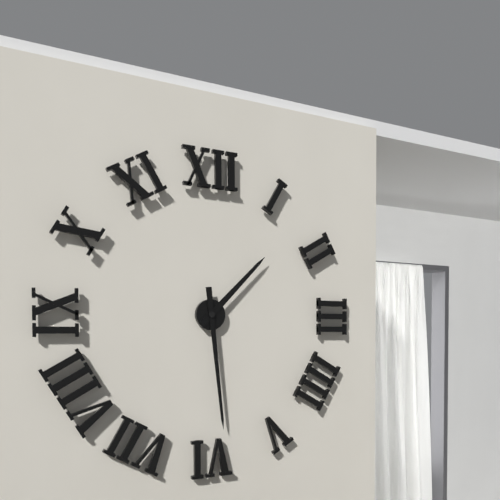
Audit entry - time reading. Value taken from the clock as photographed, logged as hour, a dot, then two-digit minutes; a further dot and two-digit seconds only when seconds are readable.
1.29
